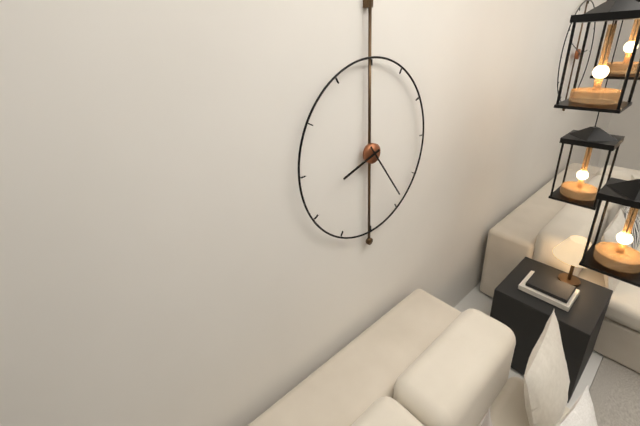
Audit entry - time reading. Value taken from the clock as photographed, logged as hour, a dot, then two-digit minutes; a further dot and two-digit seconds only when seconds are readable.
8.24
